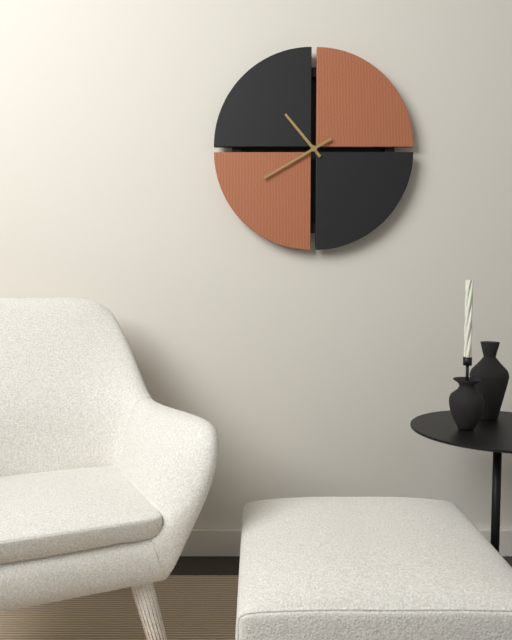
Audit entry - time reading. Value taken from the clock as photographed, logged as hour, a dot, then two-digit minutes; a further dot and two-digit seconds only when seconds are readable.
10.40
